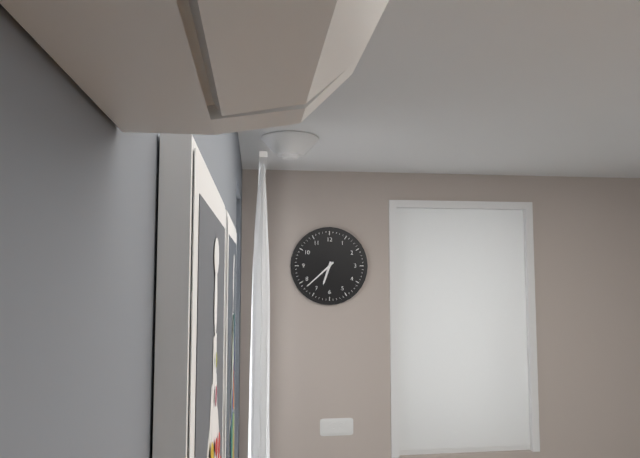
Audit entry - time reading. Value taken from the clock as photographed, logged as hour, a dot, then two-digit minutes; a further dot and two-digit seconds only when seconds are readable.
6.38
